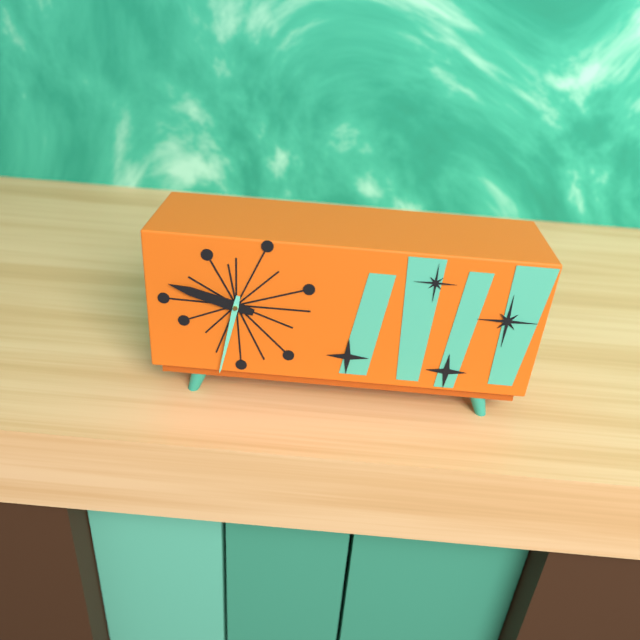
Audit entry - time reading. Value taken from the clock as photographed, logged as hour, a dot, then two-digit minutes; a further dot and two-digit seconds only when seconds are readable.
9.32
